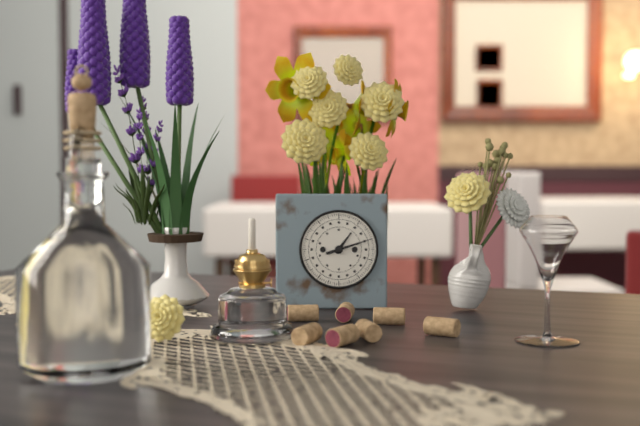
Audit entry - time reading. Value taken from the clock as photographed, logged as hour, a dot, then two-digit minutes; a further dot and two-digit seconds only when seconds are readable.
1.12
